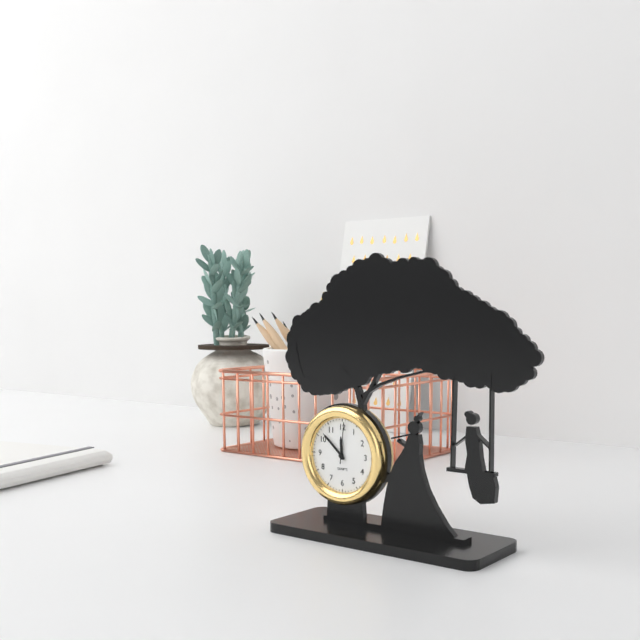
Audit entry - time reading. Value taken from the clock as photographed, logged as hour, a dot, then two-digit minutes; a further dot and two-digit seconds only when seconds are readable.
11.52
